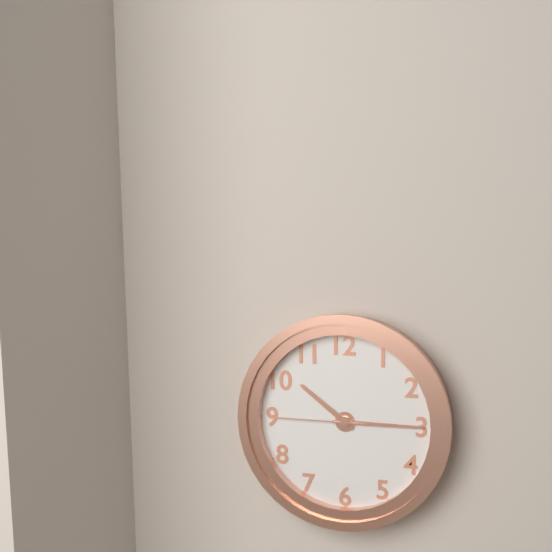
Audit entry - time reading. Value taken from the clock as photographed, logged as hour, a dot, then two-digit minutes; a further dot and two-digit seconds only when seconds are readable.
10.15.45
